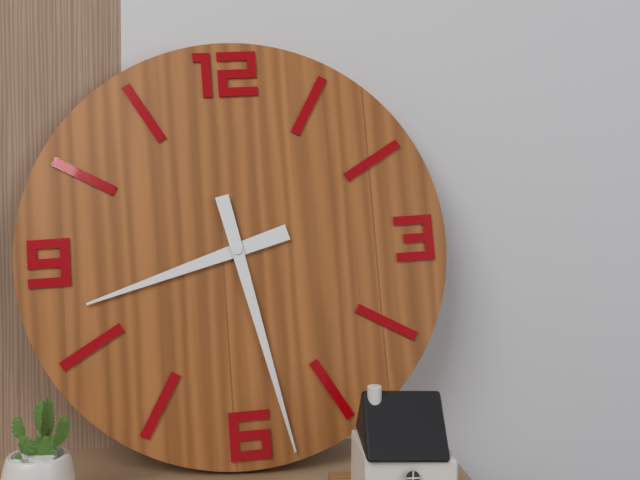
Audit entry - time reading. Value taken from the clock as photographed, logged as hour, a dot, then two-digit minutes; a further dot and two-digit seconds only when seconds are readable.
8.28
